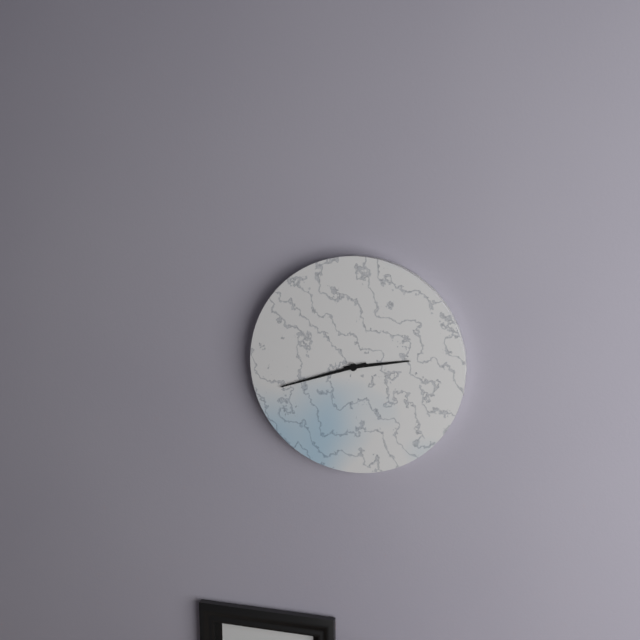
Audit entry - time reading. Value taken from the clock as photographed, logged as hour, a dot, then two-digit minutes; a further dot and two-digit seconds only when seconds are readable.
2.42
